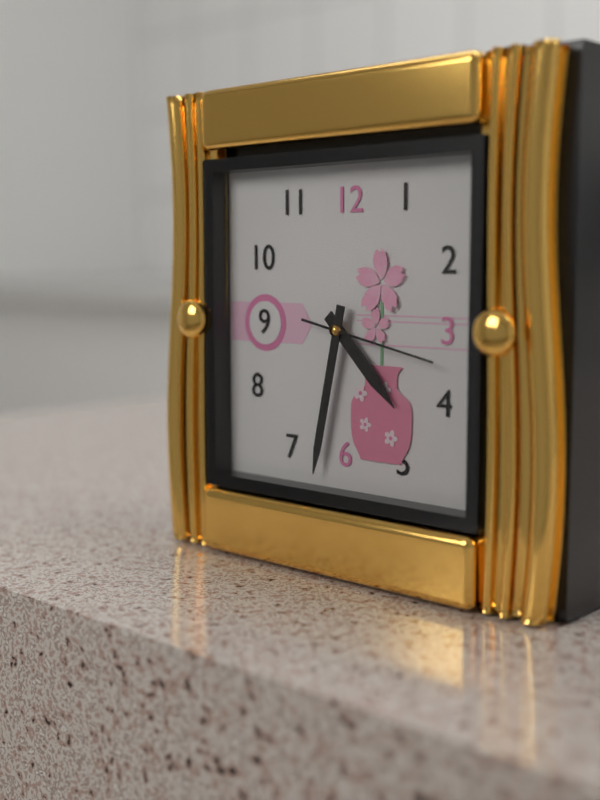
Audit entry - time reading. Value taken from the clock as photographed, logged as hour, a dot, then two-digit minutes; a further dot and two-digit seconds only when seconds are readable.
4.32.17
